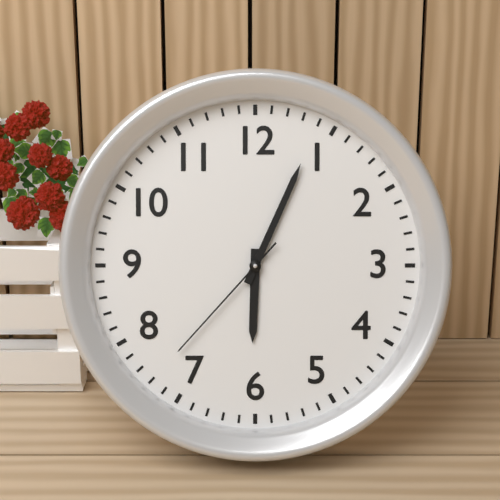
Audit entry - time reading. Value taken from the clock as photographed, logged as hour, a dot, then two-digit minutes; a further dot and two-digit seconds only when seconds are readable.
6.04.37
